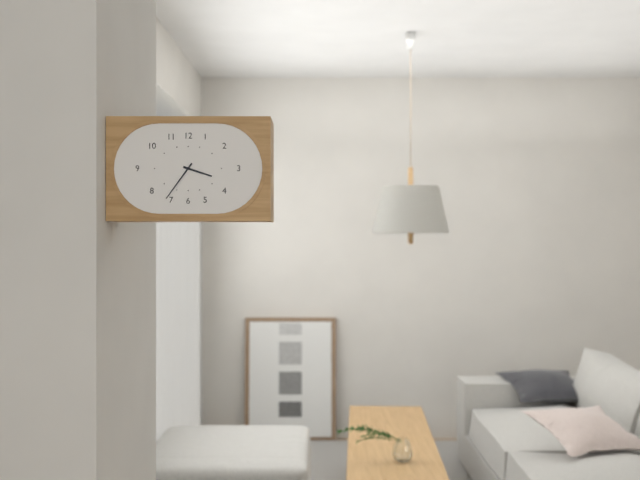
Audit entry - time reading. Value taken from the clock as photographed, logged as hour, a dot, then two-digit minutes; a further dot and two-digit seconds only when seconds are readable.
3.36
